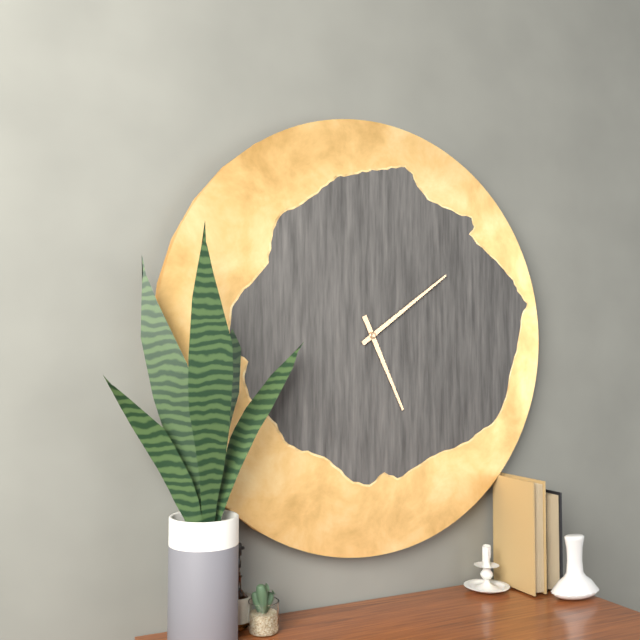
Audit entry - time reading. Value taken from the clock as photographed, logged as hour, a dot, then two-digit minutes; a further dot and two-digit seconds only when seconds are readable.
5.09
